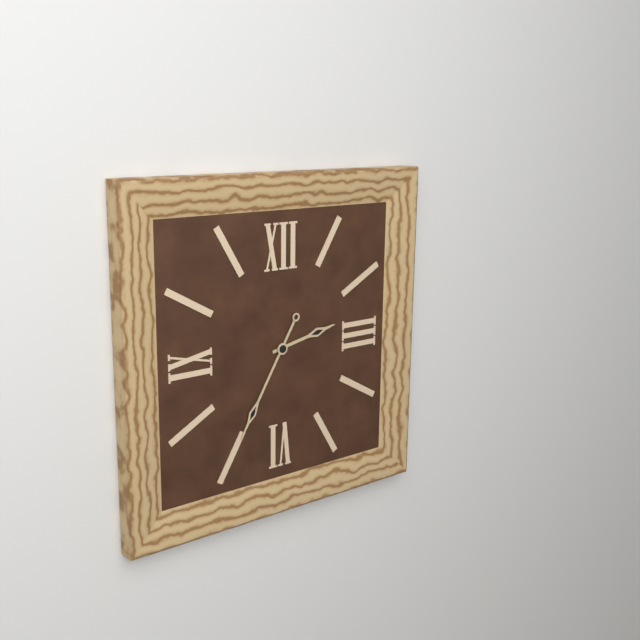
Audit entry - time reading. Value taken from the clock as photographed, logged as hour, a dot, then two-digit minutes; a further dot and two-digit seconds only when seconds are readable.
2.35
